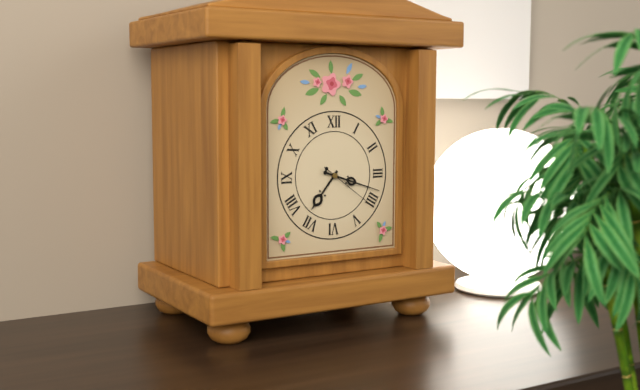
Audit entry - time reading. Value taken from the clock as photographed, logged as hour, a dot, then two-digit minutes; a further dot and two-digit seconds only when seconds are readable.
7.18.21
